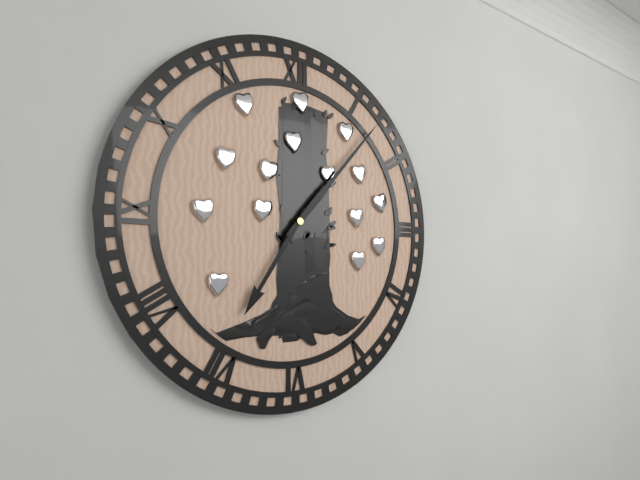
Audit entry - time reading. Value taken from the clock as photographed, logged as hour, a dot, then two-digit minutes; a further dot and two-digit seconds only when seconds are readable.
7.07
